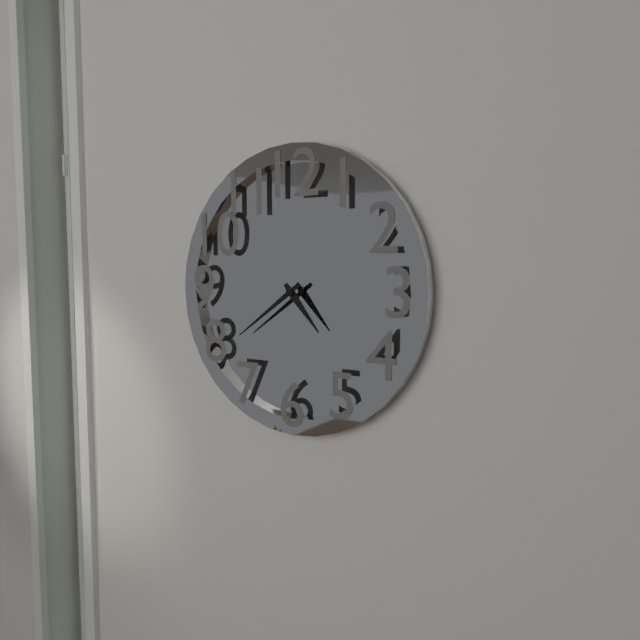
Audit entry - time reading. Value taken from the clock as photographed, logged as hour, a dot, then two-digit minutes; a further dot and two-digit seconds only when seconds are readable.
4.39
